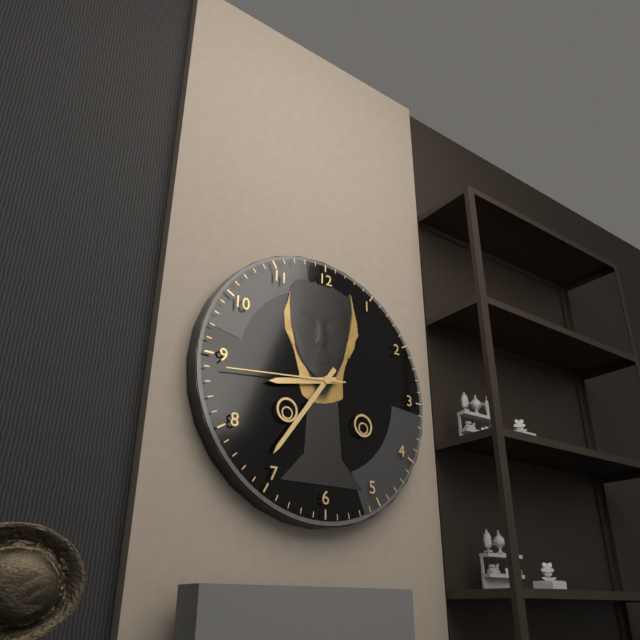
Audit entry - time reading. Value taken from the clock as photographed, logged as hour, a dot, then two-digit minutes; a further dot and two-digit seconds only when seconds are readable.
8.36.44
